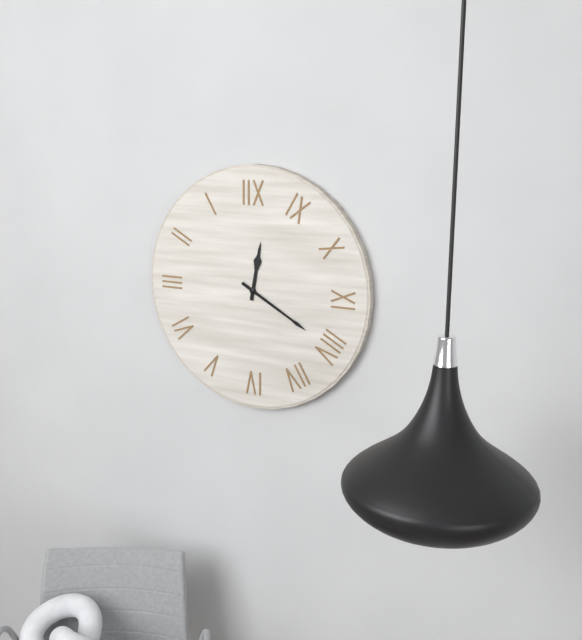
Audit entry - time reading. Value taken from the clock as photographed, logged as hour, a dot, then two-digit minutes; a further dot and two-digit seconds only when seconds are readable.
12.20
